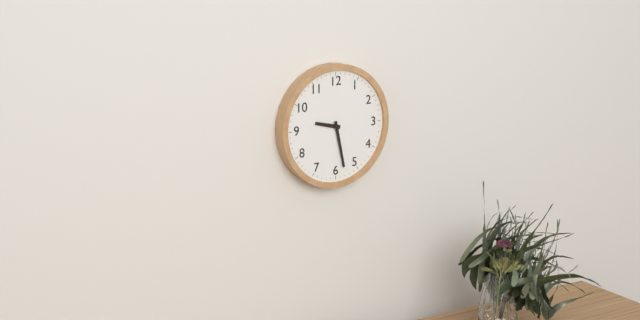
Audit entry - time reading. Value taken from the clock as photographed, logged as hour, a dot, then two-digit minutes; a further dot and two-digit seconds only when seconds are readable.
9.28
